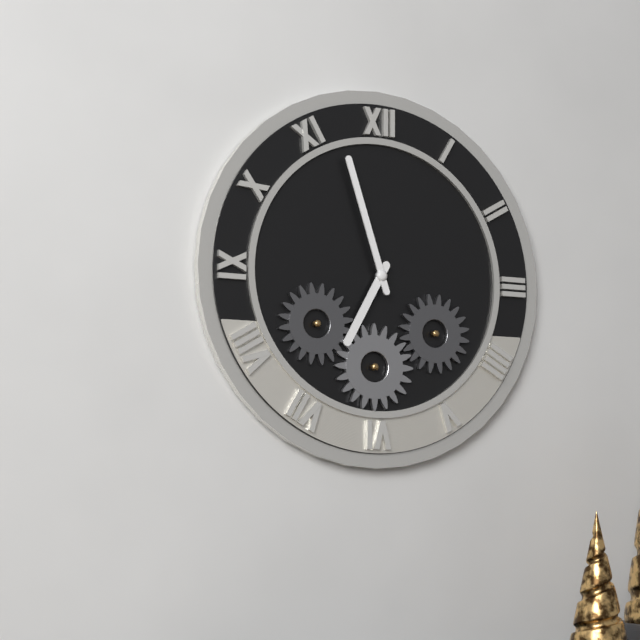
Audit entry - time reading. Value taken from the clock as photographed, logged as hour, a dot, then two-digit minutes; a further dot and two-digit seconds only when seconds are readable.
6.57
